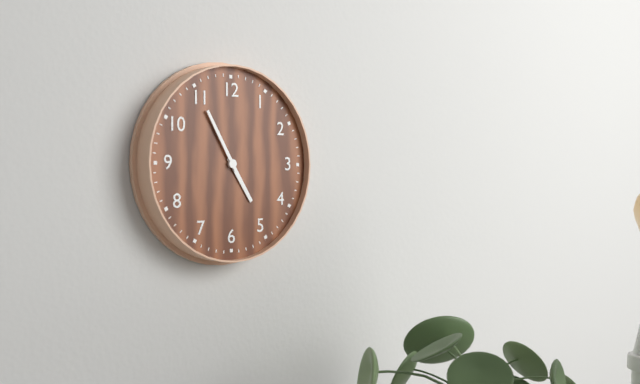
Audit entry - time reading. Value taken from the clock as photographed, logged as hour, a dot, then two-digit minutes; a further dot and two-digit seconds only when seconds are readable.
4.55
